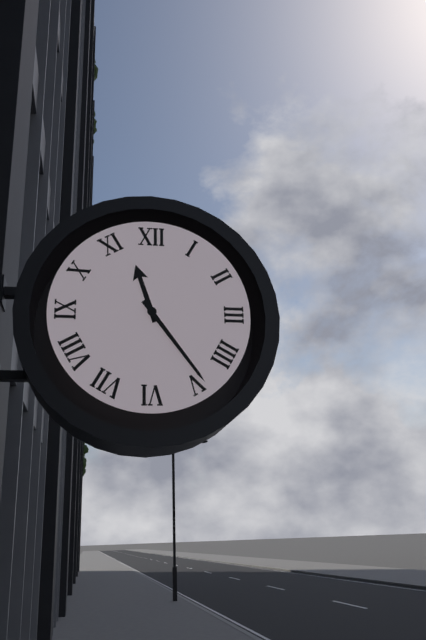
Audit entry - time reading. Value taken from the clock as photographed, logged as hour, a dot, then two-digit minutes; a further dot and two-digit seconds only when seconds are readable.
11.24
